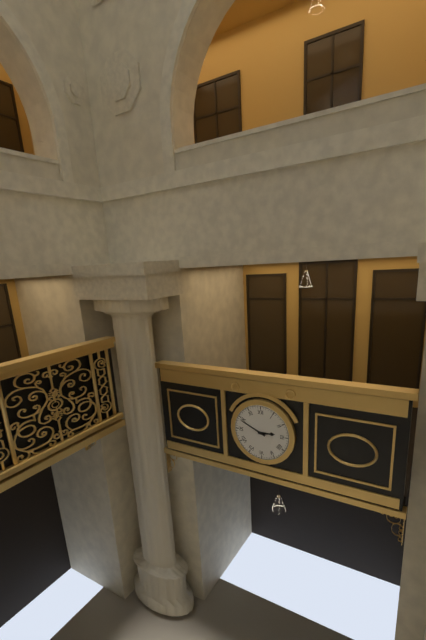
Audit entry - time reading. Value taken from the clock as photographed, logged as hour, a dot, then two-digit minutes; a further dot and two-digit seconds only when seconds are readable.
2.49
